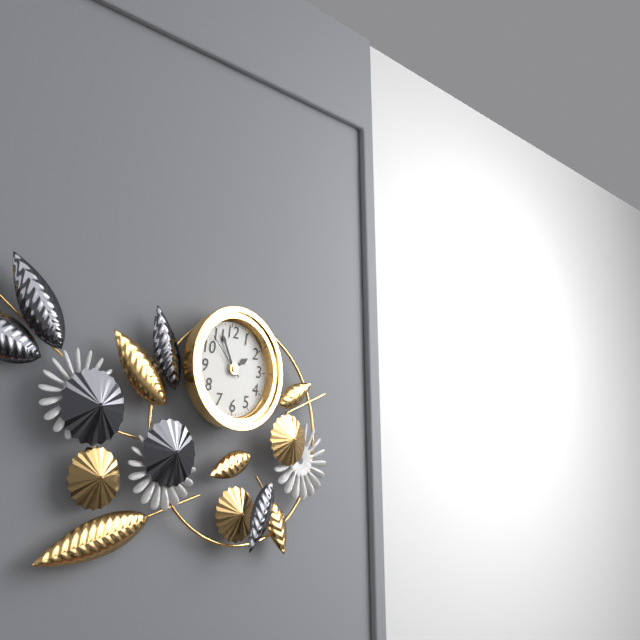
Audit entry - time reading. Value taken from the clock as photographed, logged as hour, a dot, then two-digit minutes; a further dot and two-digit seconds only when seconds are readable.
1.56
